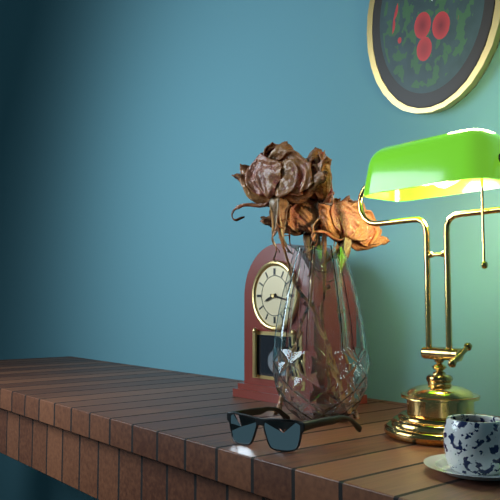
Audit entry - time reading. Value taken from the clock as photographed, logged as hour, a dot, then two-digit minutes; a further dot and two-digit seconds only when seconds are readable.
8.17
